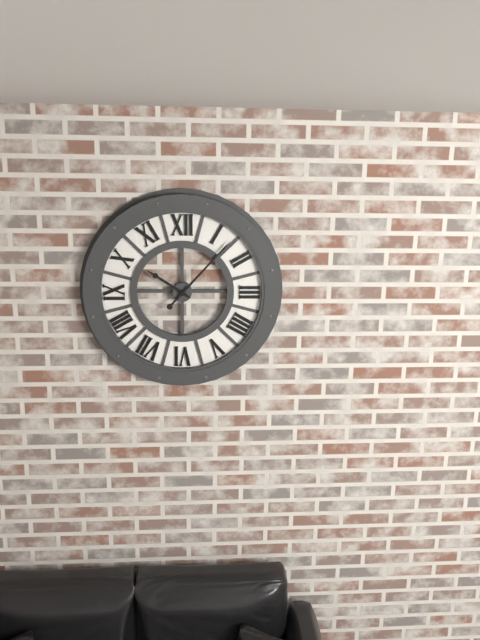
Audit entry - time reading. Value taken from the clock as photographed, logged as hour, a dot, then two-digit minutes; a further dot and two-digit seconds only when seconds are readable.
10.07
